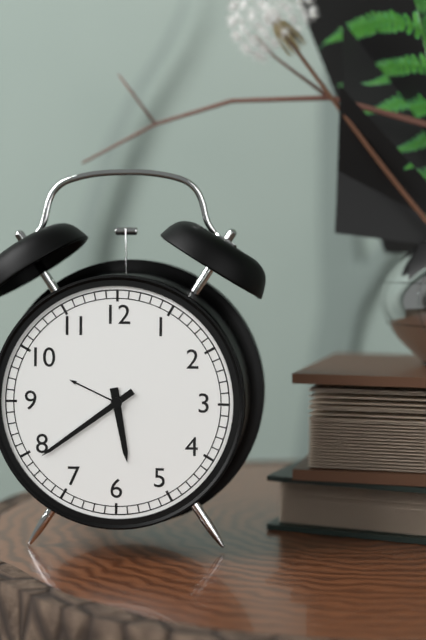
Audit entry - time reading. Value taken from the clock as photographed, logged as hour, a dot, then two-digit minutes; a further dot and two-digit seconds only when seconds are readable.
5.39
